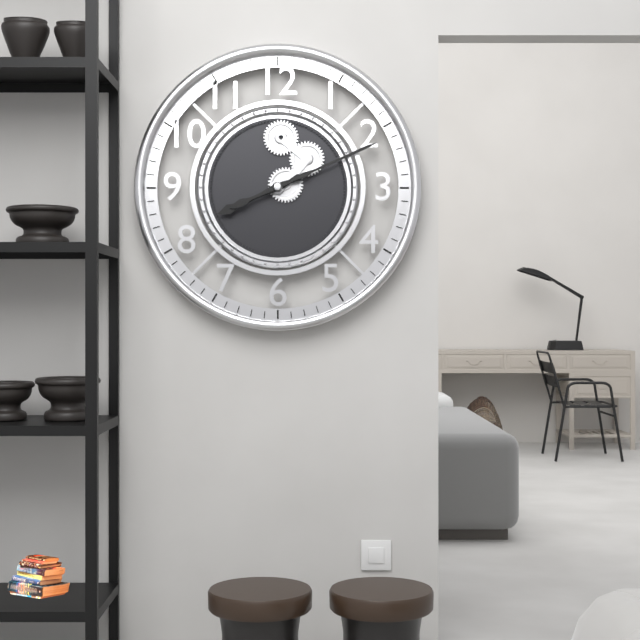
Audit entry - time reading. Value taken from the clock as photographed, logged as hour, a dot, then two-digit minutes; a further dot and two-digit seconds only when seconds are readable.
8.11
